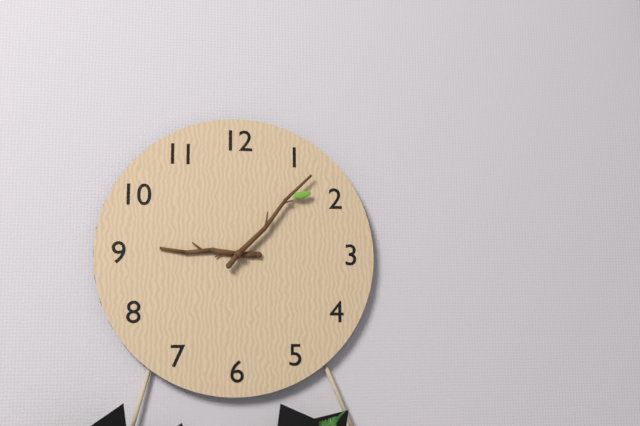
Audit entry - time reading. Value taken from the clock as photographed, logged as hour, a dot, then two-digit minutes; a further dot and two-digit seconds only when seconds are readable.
9.07
